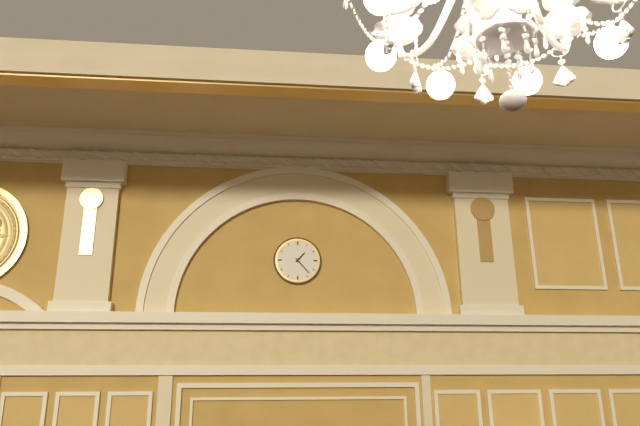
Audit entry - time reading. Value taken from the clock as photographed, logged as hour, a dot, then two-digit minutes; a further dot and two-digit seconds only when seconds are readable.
1.23
